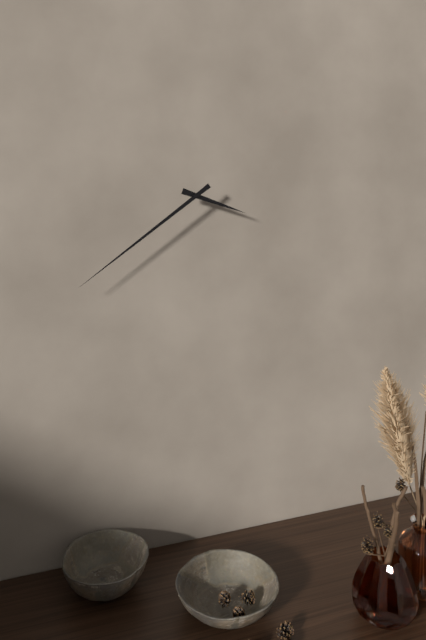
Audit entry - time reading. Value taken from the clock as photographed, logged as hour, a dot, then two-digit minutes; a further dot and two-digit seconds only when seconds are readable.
3.39
